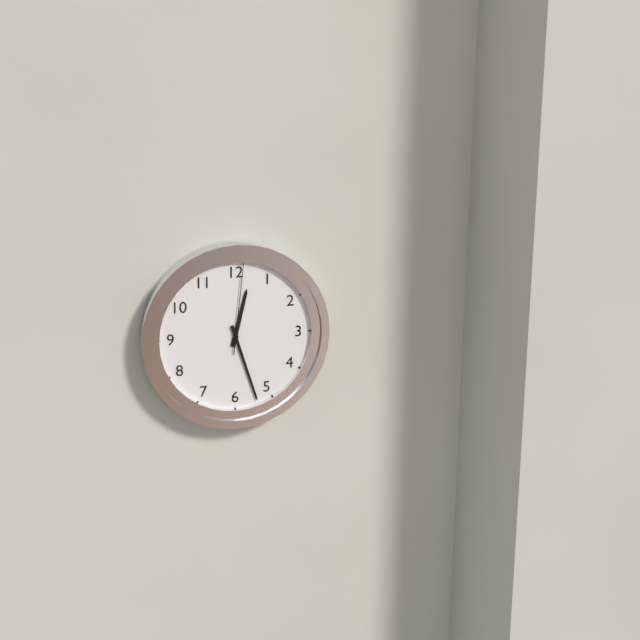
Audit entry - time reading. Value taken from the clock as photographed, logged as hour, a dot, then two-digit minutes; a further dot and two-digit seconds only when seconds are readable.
12.27.01
